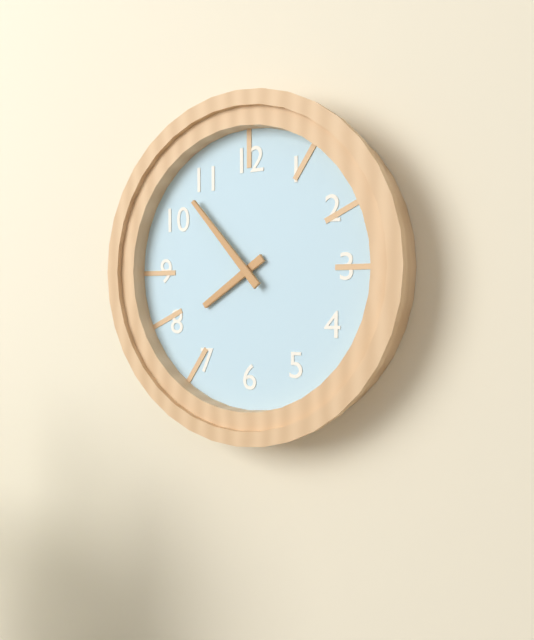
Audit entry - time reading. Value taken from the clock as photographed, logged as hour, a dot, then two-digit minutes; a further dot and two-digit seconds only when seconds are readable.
7.53
